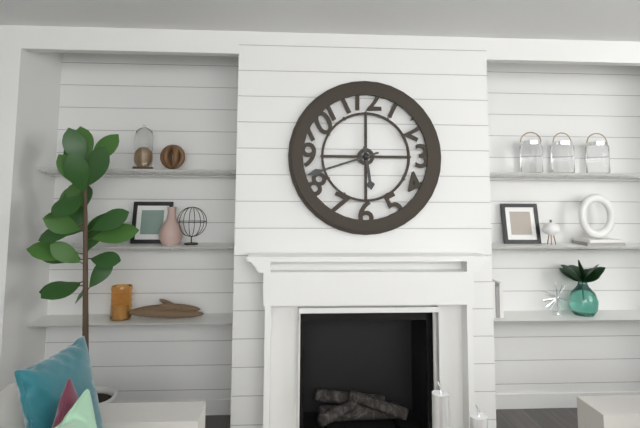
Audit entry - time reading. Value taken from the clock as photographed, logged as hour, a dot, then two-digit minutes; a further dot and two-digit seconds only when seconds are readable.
5.42
